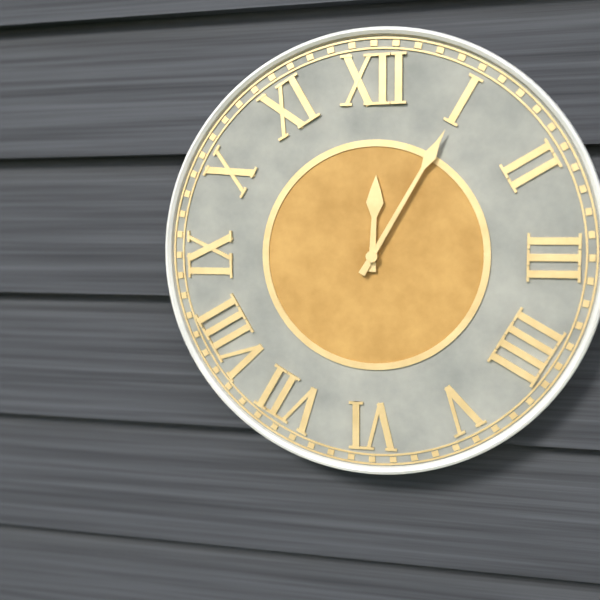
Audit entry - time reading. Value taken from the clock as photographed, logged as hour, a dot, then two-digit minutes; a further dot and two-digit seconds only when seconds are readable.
12.05
